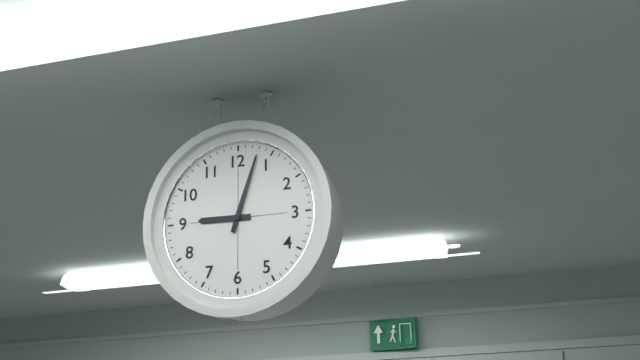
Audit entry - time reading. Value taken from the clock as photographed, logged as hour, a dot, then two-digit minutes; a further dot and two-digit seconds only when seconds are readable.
9.03
